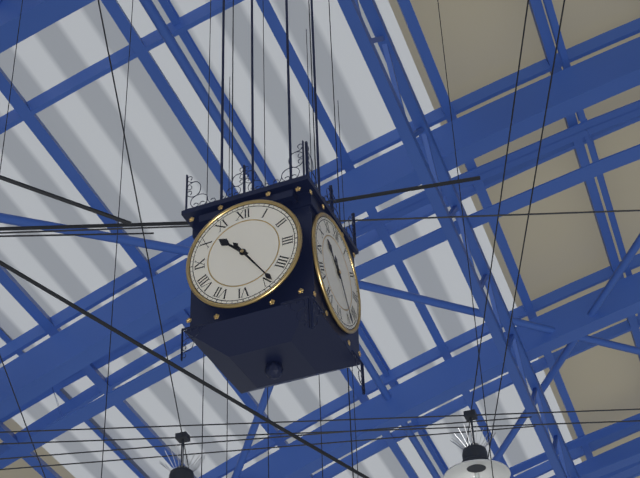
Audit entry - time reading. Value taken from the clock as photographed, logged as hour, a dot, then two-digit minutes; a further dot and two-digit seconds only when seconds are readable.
10.24
